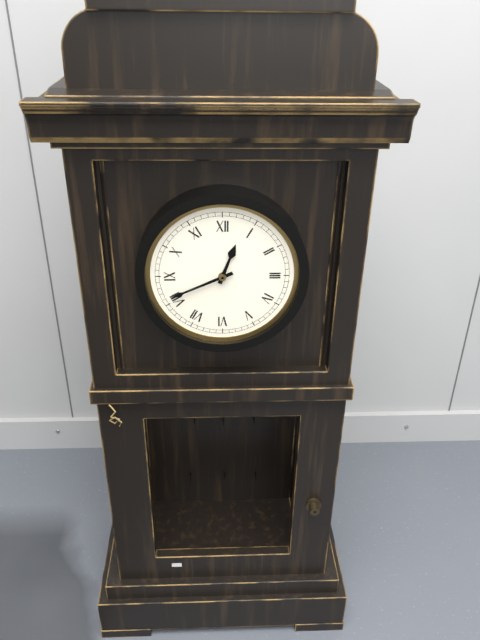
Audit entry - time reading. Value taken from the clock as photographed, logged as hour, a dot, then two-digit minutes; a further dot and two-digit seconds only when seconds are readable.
12.41
